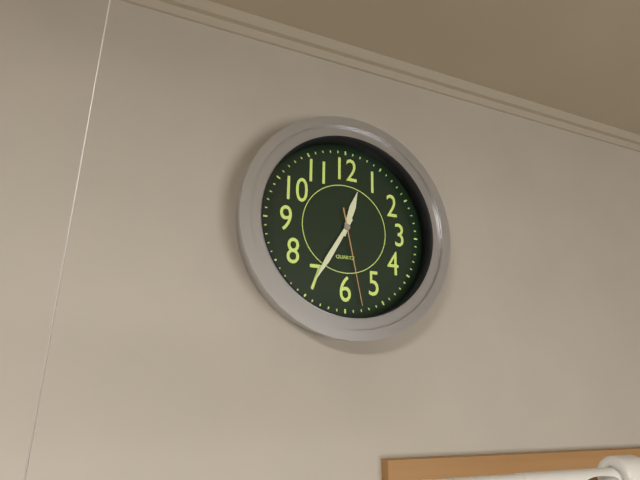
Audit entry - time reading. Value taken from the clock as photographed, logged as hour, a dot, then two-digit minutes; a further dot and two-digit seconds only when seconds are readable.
12.35.28
